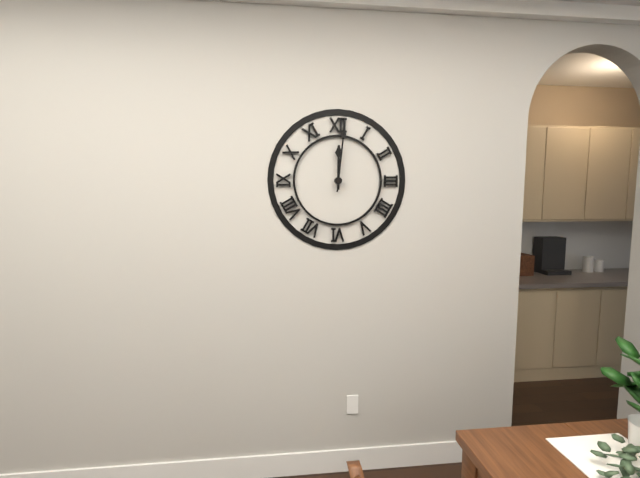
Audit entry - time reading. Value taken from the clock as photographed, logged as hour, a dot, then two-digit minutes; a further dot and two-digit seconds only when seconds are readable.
12.01
